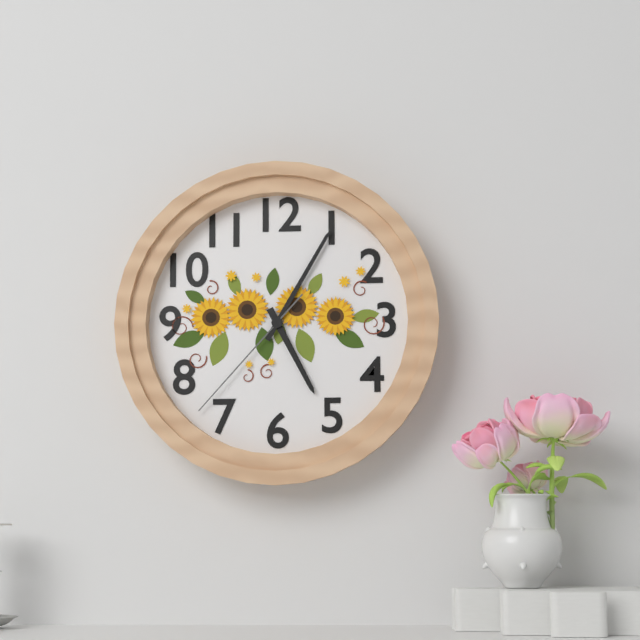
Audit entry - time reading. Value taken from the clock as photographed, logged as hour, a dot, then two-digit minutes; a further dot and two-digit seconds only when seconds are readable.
5.05.37
